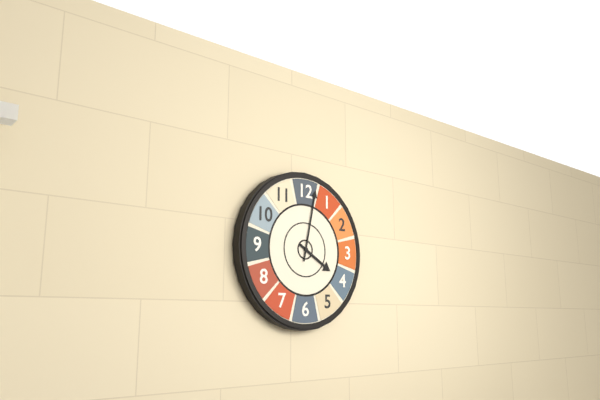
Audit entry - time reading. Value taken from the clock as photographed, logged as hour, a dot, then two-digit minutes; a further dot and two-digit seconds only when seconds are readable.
4.02
